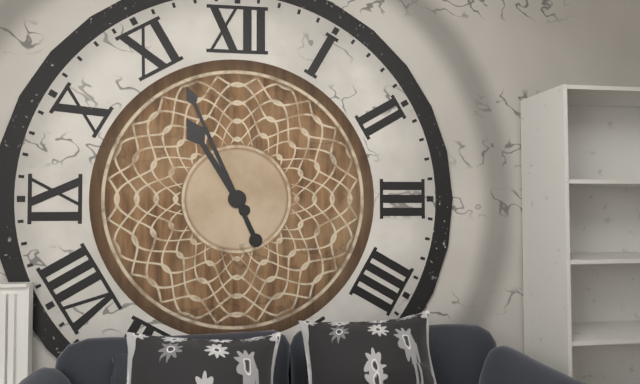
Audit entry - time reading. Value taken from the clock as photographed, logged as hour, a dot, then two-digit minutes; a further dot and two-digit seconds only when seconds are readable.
10.56
